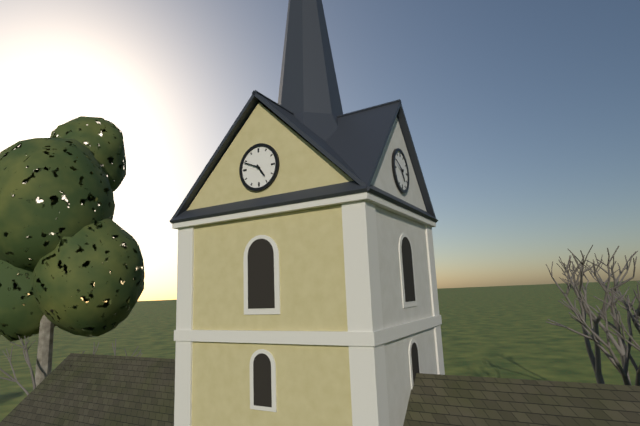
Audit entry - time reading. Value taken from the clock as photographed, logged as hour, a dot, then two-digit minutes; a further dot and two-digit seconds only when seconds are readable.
4.49
